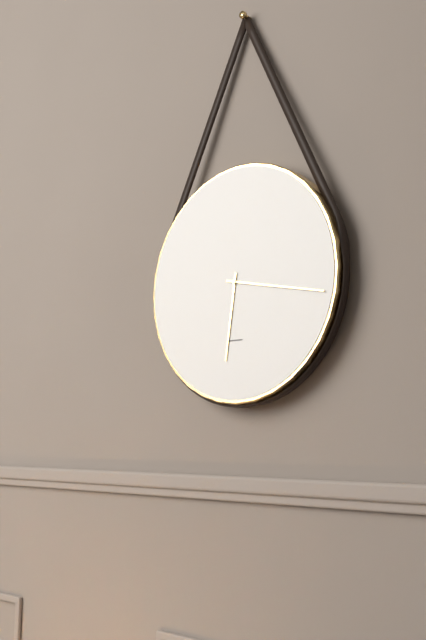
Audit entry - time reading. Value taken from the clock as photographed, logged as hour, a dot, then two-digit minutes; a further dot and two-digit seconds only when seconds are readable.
6.17
